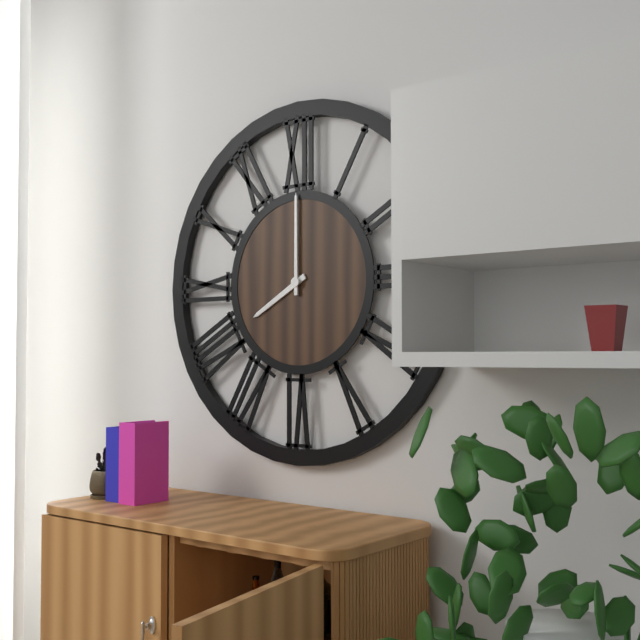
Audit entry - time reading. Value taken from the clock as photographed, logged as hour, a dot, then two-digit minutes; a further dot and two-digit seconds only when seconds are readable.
8.00
